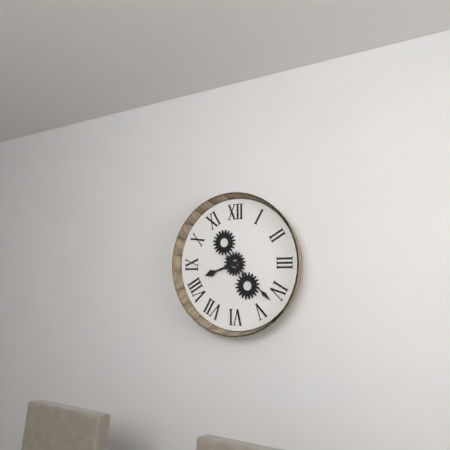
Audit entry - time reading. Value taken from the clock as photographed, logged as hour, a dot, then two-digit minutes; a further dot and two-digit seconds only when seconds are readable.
8.22
